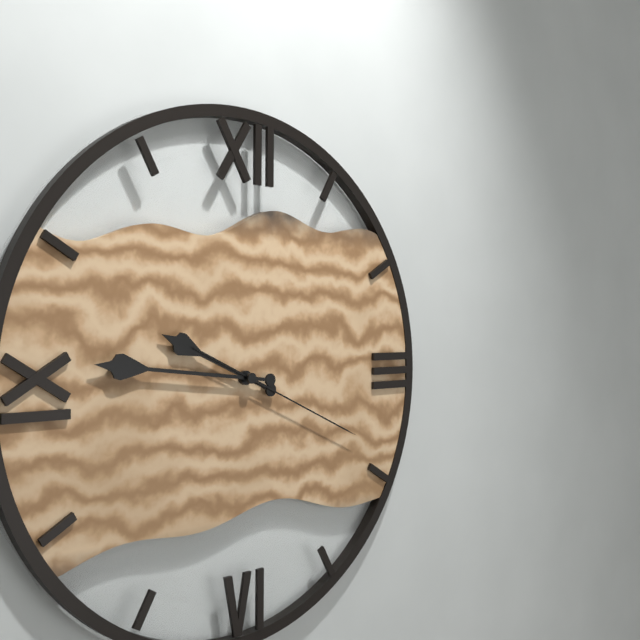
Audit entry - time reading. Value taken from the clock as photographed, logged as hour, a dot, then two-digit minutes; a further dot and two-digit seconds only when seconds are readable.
9.46.19
